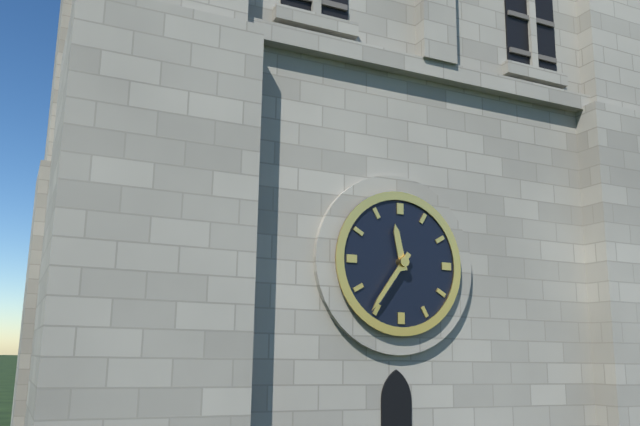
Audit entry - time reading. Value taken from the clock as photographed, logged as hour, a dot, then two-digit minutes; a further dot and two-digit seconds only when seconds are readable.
11.36
